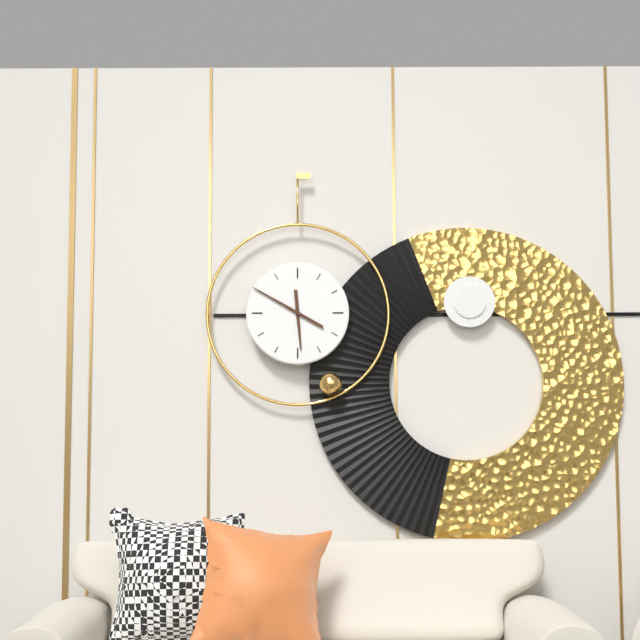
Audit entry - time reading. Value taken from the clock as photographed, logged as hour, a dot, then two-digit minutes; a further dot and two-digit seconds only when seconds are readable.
5.50
